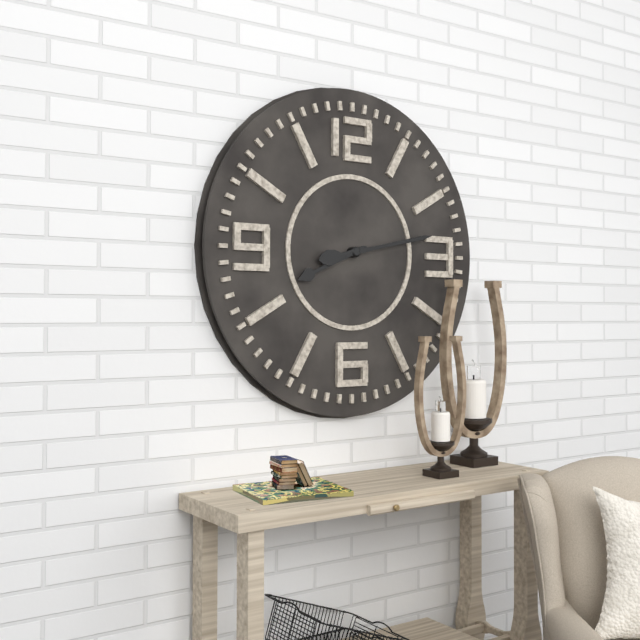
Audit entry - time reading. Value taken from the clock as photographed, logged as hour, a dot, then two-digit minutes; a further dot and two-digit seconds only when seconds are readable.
8.13
